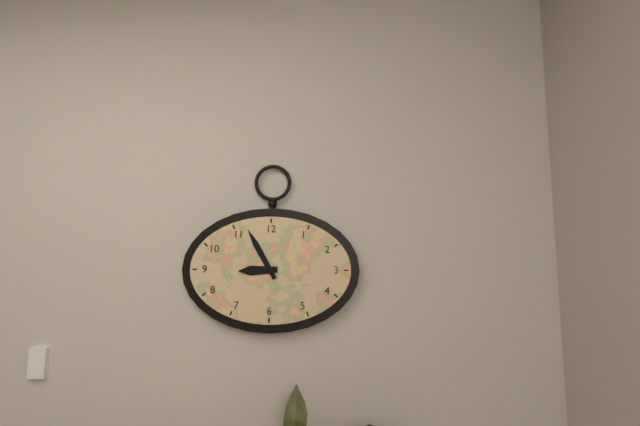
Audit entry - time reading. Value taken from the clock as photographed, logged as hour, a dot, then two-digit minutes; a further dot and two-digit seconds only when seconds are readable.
8.55
